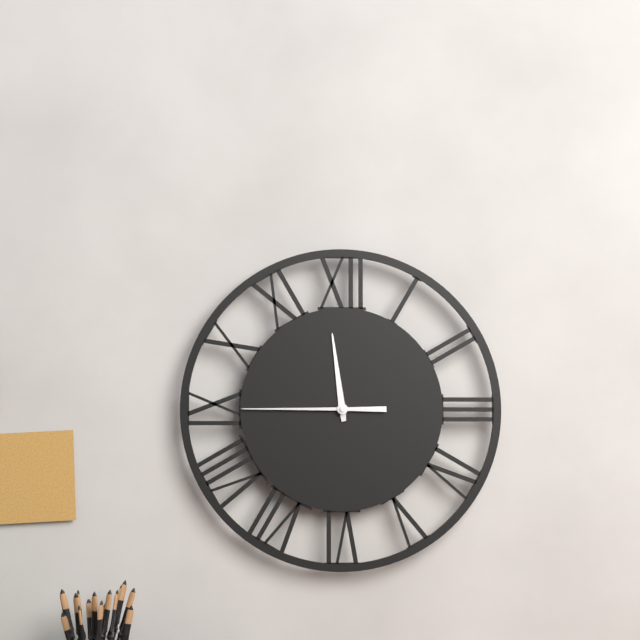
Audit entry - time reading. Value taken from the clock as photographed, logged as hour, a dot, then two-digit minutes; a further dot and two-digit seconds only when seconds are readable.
11.45
